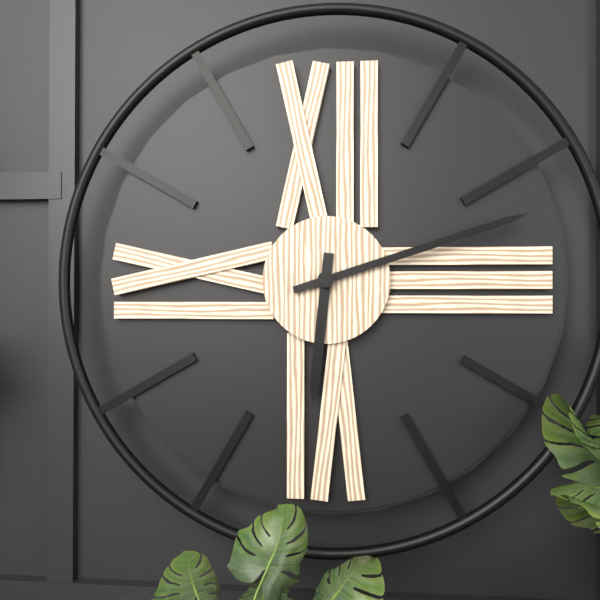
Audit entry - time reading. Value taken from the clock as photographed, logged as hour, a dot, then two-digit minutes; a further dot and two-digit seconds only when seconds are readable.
6.12
